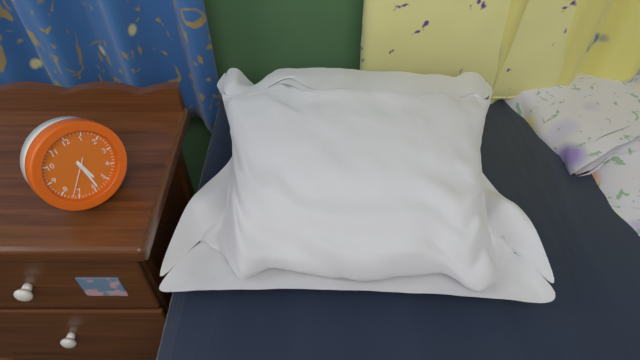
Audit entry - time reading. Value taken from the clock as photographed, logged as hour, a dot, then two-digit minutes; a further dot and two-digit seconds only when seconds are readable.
5.29
